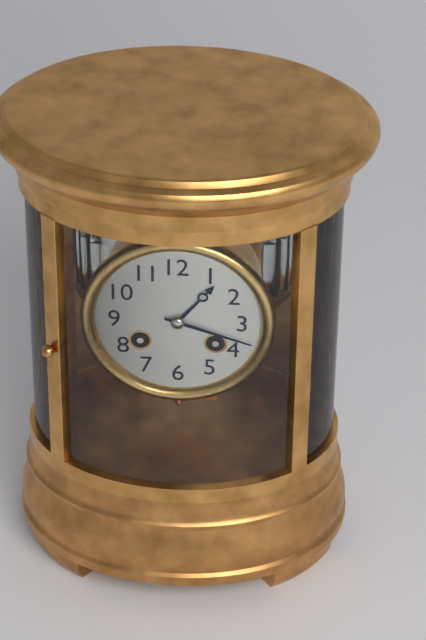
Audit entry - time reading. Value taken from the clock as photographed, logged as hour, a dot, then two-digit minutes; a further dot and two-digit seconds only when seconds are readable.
1.18
